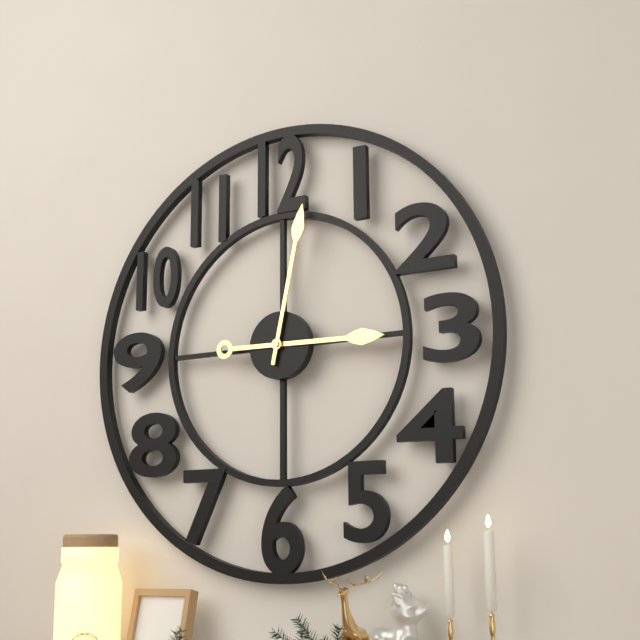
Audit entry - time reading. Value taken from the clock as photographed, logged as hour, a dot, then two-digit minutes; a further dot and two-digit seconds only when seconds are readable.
3.02
